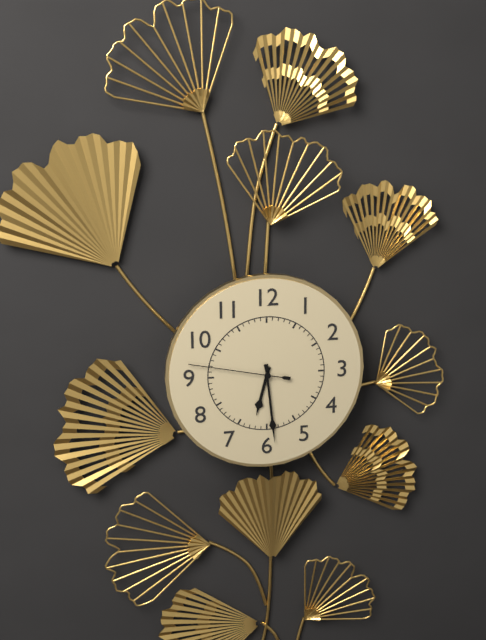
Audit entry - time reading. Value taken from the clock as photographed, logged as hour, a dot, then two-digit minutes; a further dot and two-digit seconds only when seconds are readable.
6.29.47
